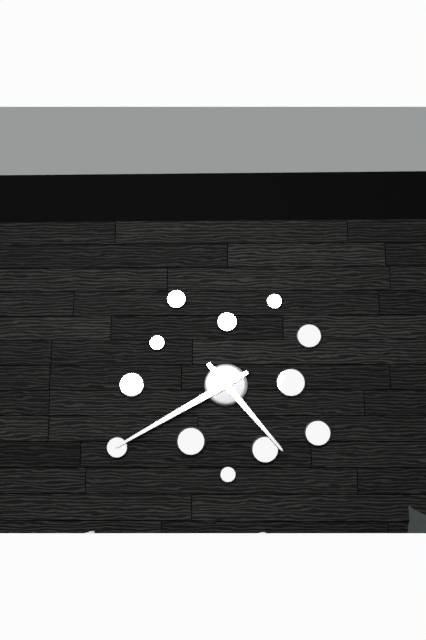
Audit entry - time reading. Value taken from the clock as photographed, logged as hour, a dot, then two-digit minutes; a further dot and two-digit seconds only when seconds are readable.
4.40
